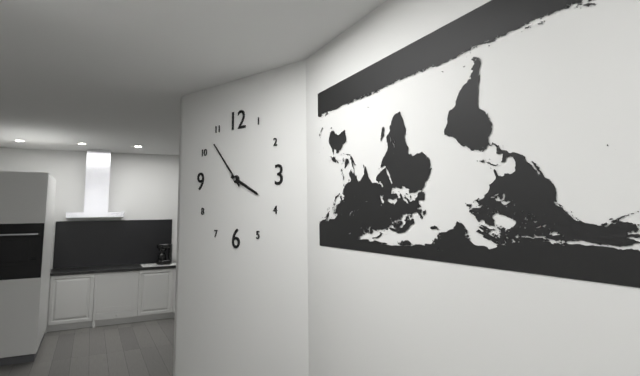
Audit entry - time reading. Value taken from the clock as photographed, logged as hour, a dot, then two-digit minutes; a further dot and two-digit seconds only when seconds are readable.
3.53
